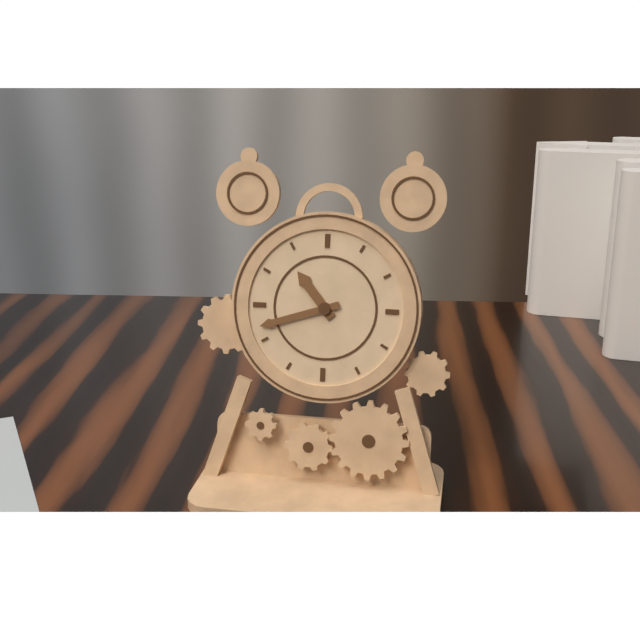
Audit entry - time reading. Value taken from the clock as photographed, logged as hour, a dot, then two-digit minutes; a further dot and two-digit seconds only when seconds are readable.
10.42
